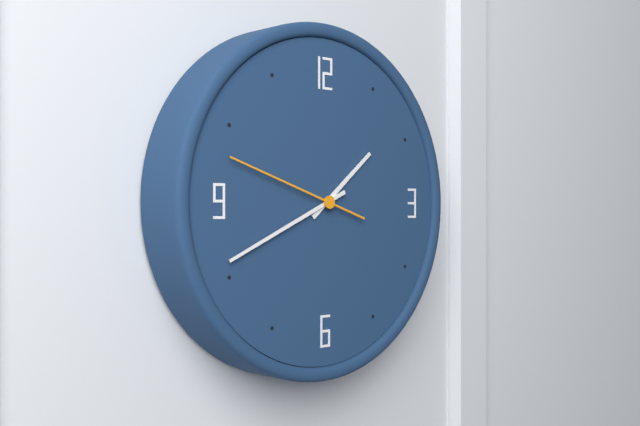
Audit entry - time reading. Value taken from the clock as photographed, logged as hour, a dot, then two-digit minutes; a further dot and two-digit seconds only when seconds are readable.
1.41.48
